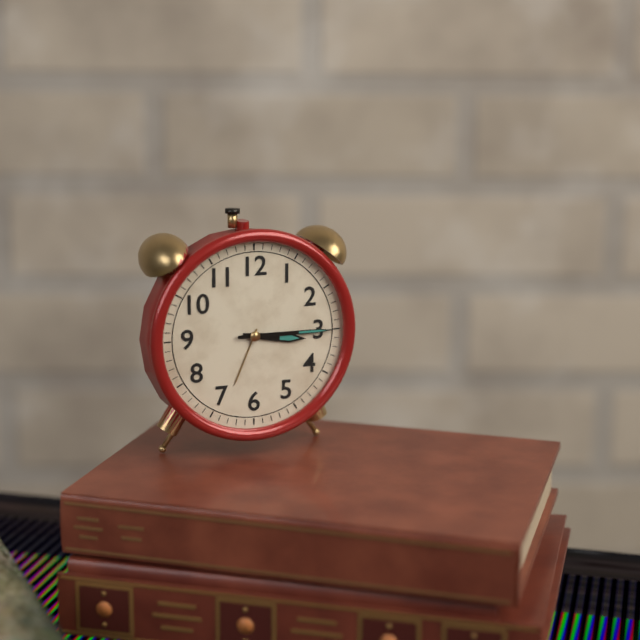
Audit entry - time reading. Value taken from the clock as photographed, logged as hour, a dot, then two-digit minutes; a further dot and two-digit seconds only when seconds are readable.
3.15
